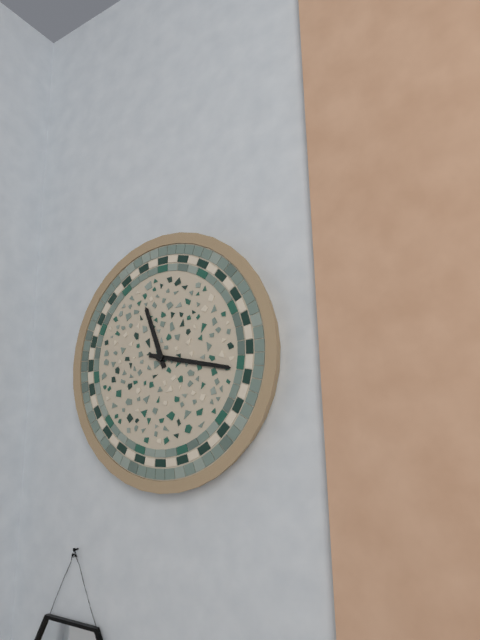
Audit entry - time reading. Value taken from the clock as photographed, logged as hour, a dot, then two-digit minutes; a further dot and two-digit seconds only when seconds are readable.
11.17
